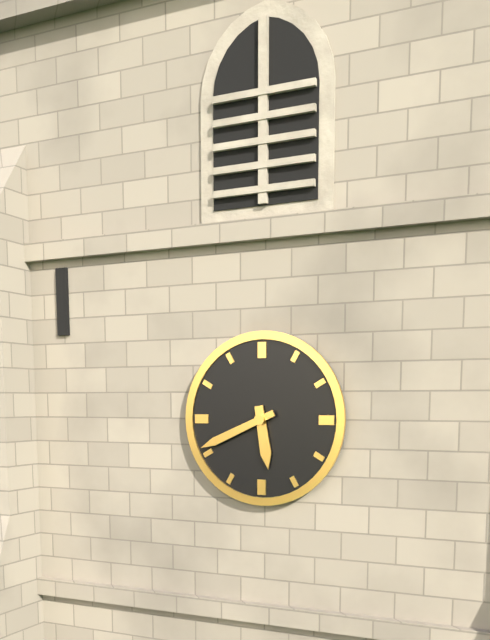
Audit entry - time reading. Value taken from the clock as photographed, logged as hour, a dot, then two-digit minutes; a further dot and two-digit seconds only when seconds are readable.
5.41
